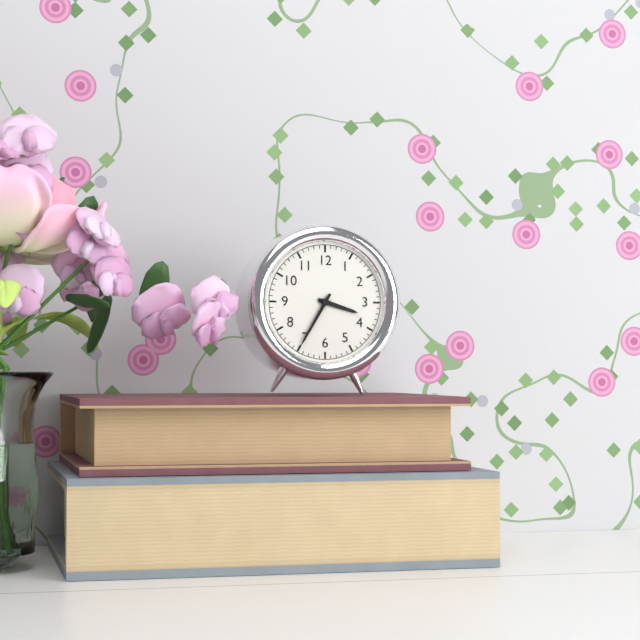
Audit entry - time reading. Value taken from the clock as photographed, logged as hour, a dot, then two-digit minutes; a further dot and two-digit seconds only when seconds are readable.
3.35
